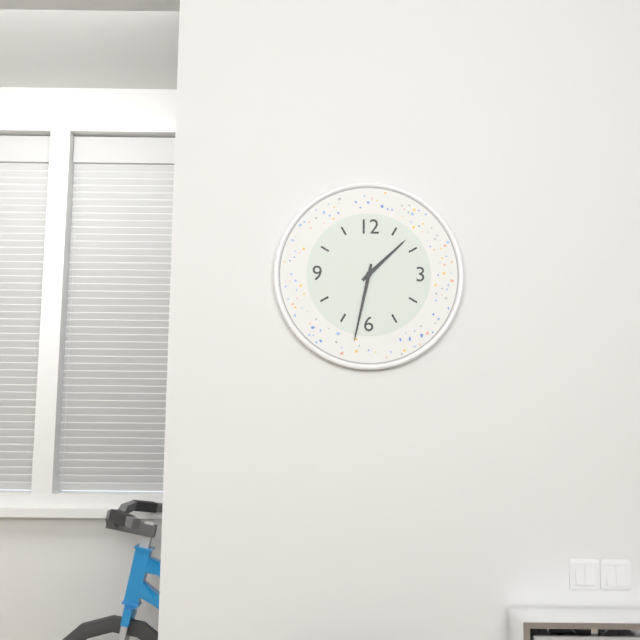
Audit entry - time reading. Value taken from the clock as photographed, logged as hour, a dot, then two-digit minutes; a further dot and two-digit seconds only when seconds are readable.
1.32
